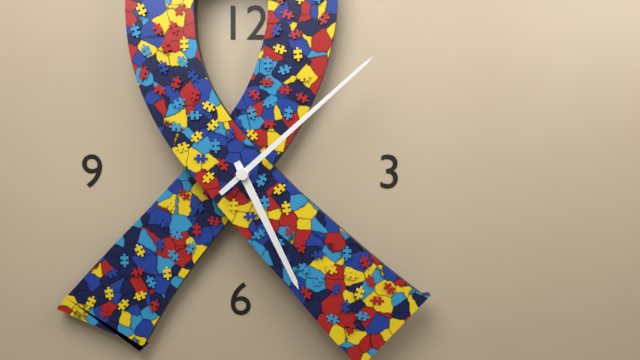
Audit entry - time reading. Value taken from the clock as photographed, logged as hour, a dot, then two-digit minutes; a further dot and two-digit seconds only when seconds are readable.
5.08
